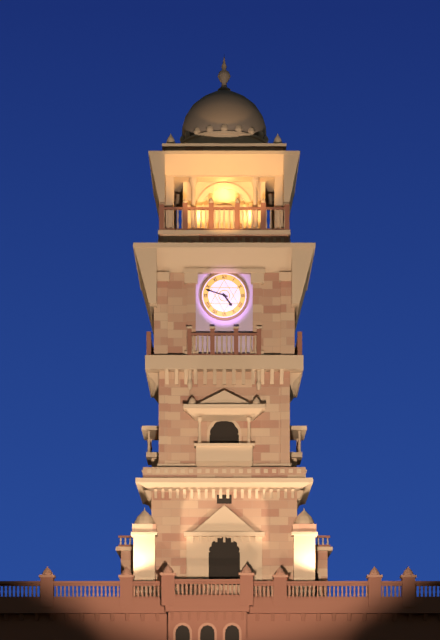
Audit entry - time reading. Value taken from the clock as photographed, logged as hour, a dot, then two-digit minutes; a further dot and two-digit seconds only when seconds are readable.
4.48
